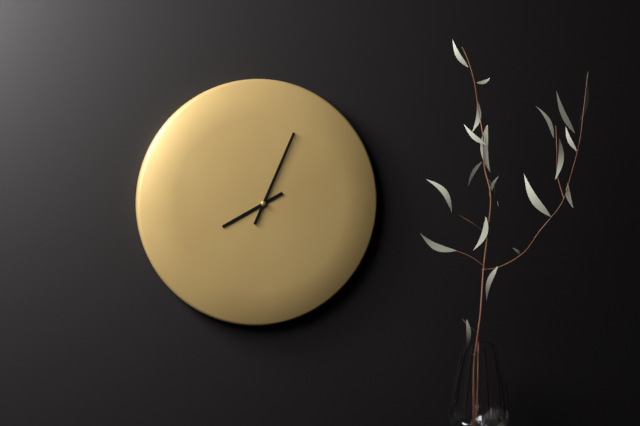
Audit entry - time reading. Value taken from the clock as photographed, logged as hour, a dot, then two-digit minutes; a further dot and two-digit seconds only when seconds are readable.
8.04
